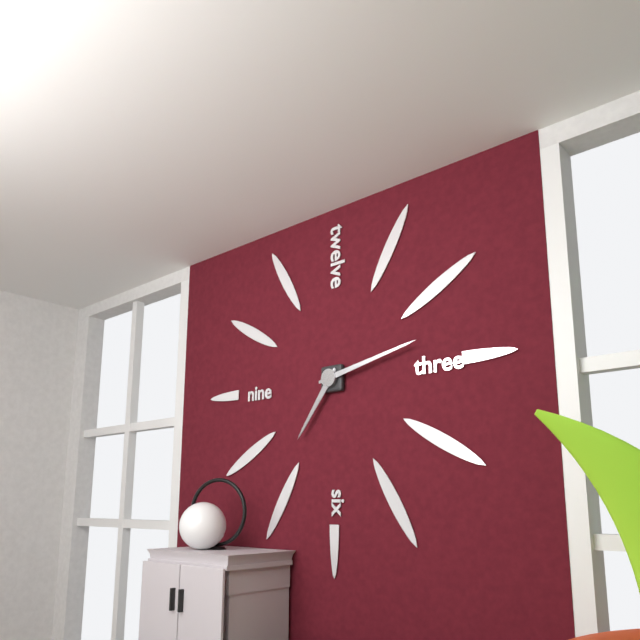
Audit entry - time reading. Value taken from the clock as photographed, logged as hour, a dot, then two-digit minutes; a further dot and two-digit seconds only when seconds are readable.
7.13
